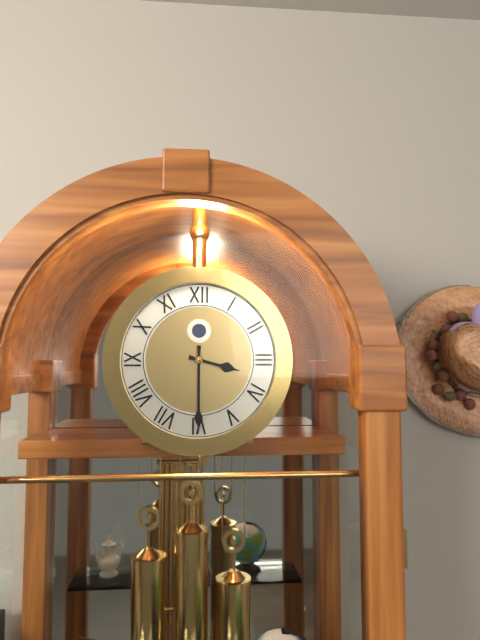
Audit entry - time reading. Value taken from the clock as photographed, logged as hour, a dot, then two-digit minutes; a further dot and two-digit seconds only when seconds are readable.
3.30
